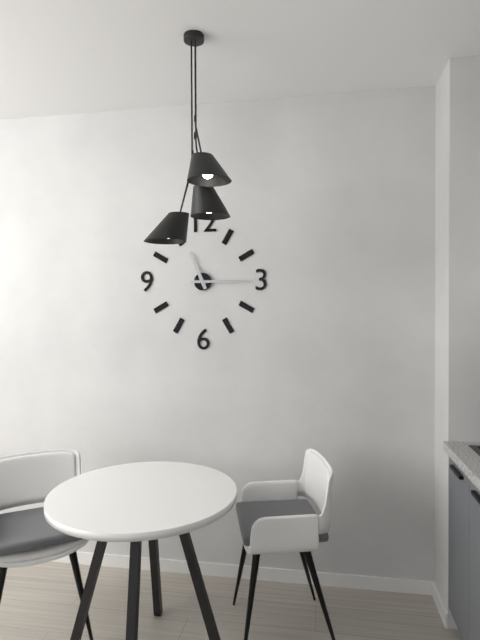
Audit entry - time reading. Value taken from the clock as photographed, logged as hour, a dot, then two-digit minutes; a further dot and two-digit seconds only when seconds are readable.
11.15
